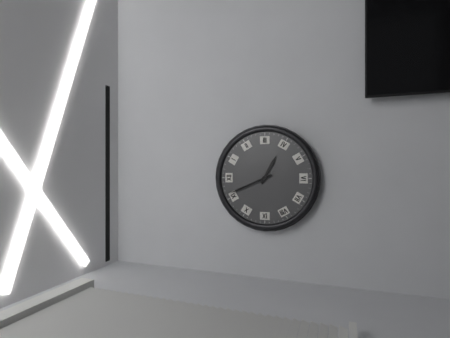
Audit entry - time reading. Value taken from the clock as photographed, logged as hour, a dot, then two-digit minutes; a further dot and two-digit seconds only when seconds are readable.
3.56
